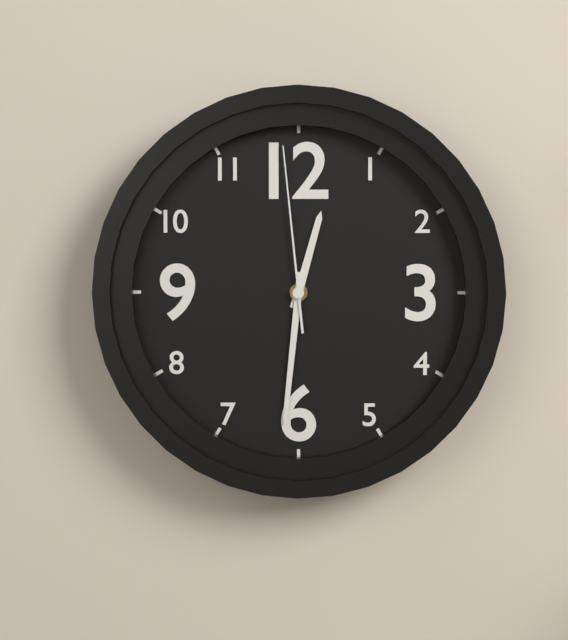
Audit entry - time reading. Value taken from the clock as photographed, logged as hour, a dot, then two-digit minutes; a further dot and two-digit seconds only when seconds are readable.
12.31.59
